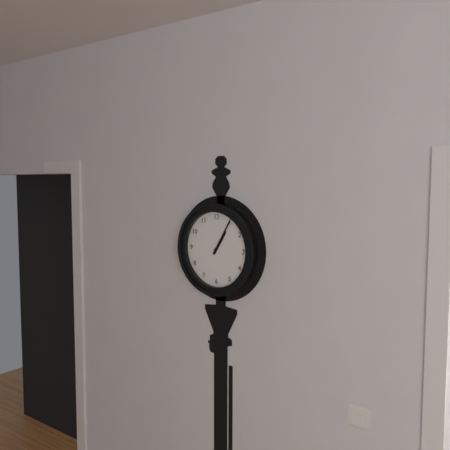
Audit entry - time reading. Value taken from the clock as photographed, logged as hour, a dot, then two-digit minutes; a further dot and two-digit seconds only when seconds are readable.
1.05
